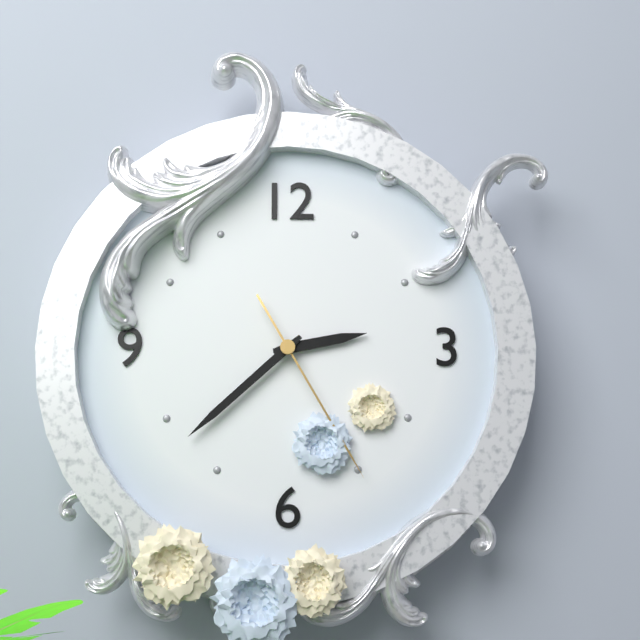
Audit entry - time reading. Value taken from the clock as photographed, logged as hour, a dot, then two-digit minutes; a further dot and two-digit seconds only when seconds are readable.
2.38.25
